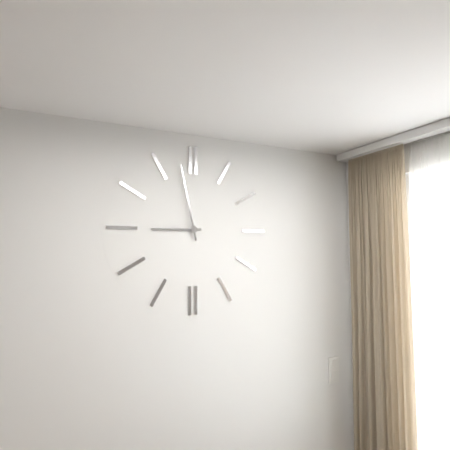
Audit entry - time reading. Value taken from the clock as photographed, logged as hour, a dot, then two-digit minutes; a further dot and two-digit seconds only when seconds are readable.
8.58
